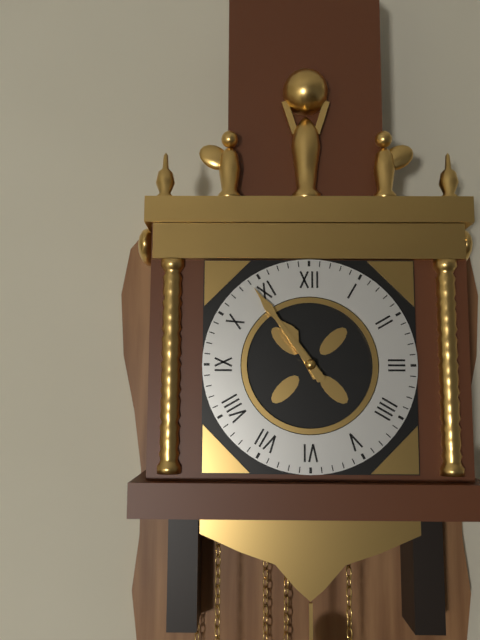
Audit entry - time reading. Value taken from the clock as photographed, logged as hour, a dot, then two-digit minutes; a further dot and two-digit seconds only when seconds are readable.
10.54
